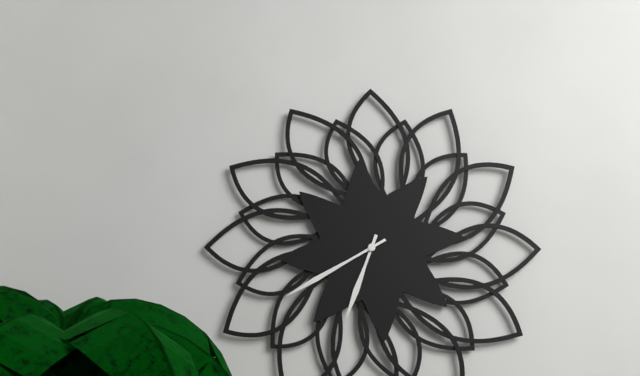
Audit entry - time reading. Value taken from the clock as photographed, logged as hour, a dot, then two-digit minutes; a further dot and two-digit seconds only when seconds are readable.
6.40
